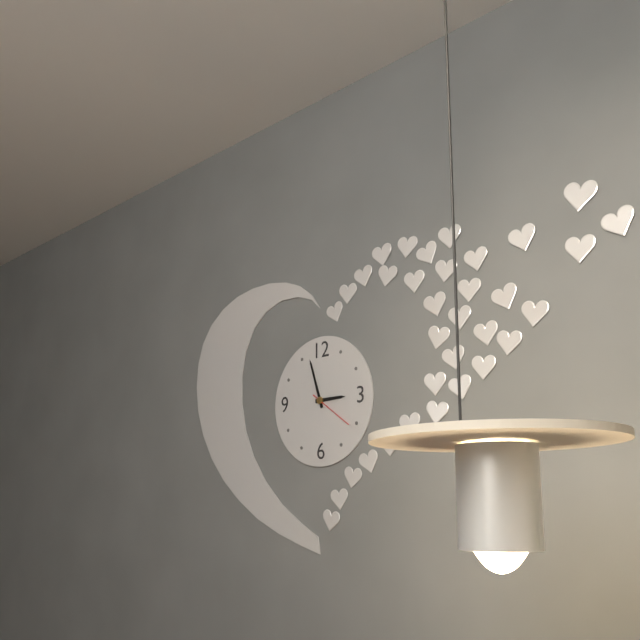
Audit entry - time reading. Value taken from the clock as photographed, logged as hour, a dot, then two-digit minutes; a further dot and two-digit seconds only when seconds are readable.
2.57
